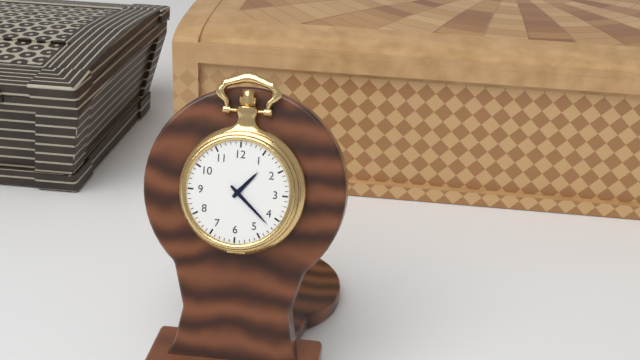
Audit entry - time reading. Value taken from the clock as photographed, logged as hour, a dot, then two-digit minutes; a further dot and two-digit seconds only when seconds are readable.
1.22
